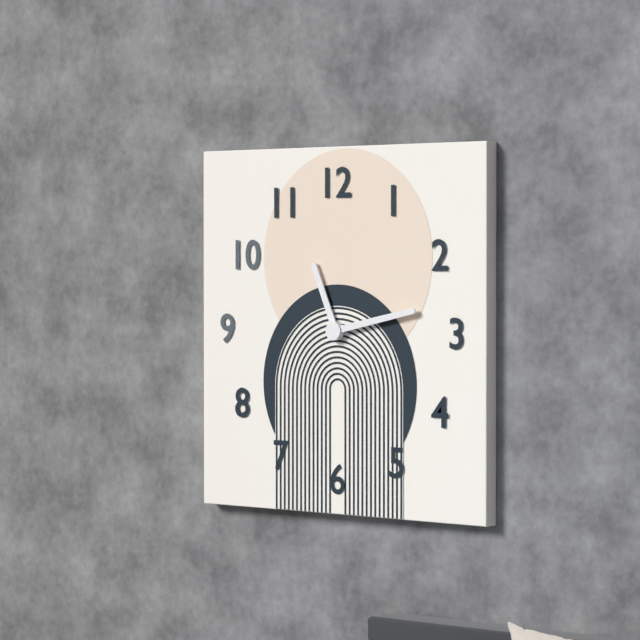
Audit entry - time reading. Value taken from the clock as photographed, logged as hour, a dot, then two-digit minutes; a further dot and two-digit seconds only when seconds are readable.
11.13
